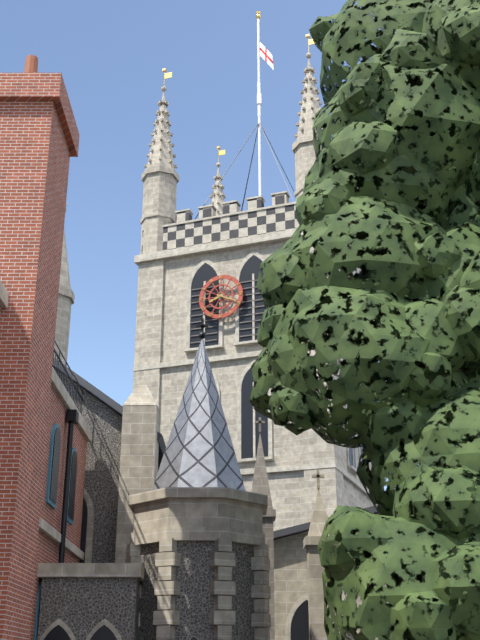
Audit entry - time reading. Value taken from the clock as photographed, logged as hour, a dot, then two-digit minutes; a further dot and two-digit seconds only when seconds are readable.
8.19
